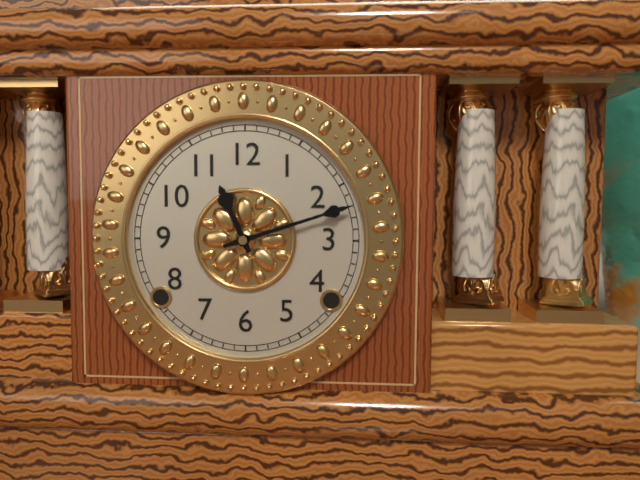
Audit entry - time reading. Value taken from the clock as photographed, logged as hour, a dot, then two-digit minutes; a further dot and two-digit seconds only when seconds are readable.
11.12
